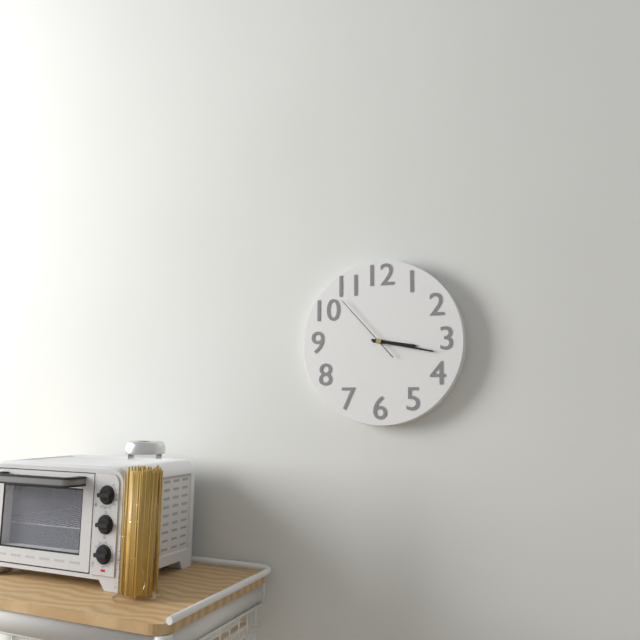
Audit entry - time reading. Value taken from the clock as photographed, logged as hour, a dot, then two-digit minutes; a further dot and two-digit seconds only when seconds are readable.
3.17.53
